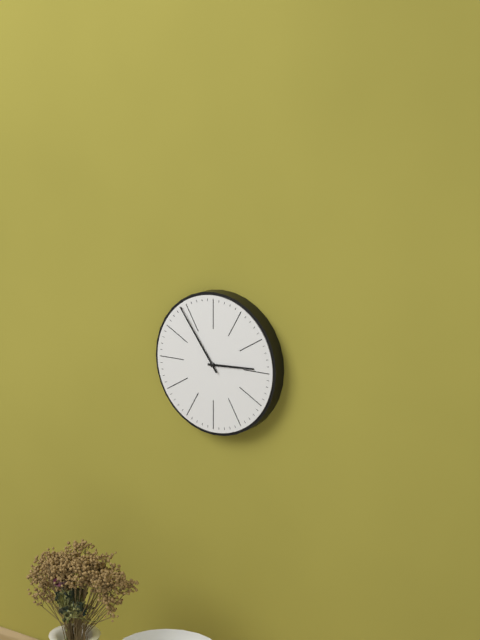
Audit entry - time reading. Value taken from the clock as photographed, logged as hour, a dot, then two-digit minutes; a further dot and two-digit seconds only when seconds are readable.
2.54
